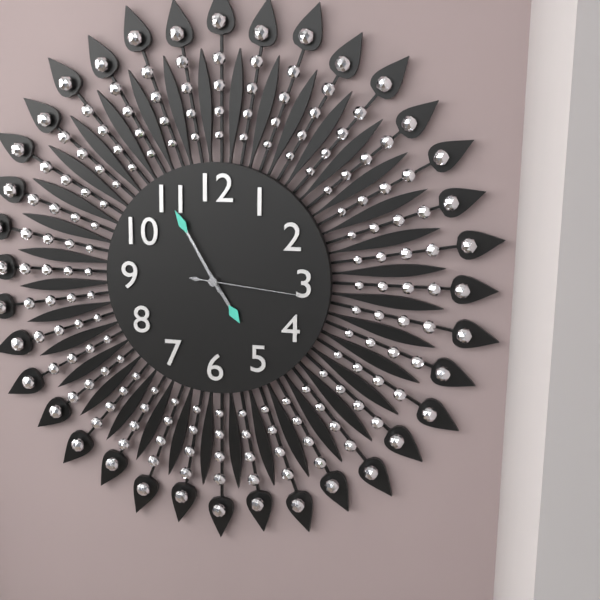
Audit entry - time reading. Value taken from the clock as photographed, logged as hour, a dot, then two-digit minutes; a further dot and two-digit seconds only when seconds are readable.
4.55.16
